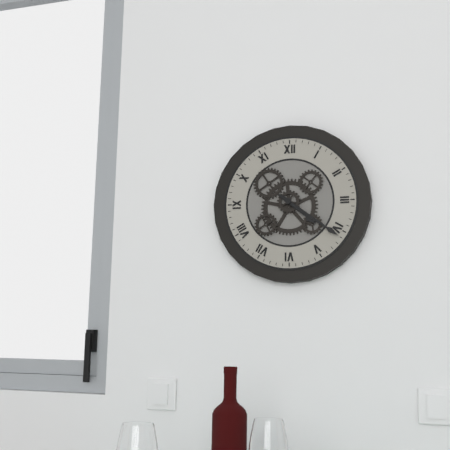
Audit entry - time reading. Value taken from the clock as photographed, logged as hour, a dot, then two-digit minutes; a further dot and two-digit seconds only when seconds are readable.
4.21
